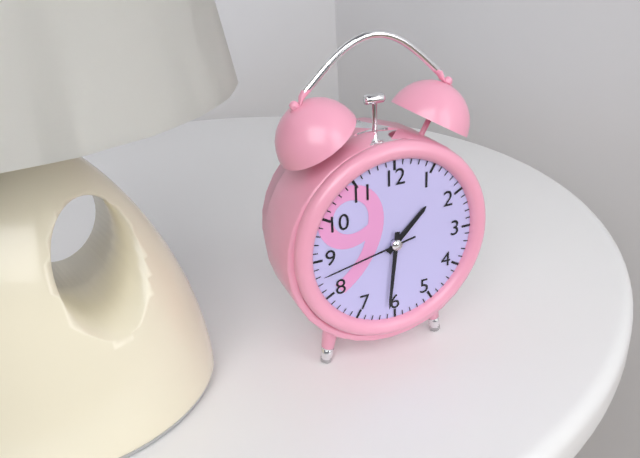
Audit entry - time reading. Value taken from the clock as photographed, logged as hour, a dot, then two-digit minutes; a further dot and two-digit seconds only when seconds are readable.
1.31.43
